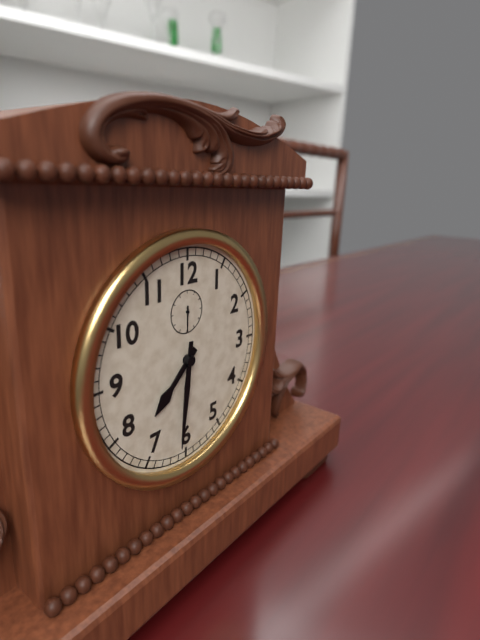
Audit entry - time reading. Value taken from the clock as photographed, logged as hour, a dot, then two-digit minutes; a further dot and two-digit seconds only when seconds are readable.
7.31
